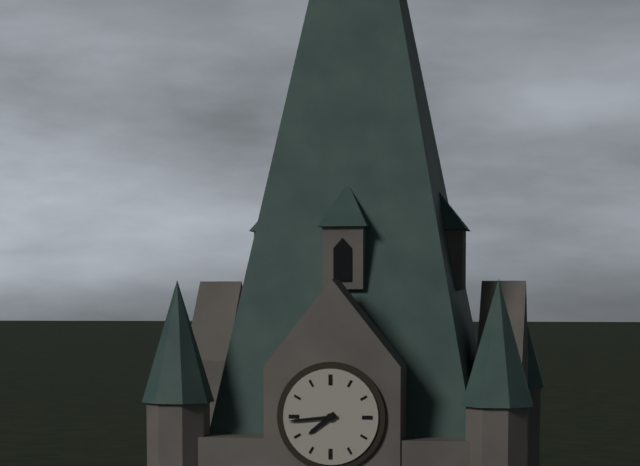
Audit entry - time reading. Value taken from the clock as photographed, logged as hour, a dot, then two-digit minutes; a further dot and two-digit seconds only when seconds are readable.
7.44
